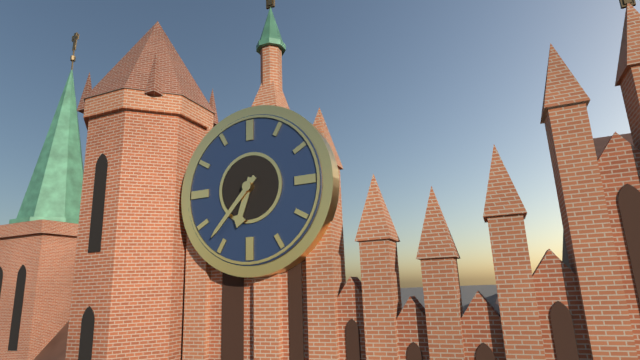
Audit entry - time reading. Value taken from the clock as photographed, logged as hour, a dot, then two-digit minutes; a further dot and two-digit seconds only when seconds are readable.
6.37
